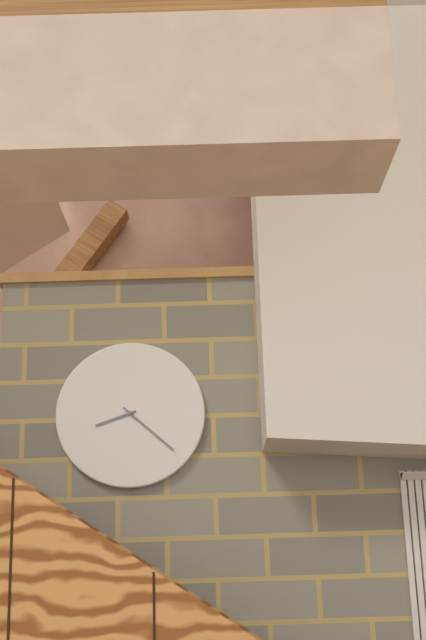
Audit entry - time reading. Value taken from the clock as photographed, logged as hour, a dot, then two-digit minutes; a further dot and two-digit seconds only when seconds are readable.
8.22
